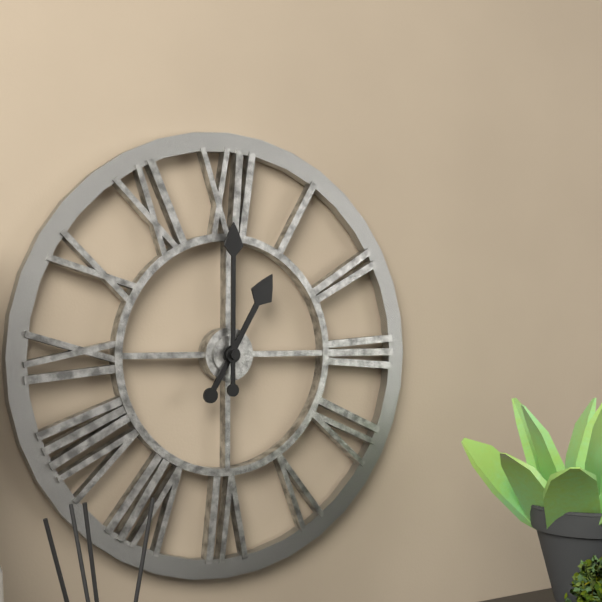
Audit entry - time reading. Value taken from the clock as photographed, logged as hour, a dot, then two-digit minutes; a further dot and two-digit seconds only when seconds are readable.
1.00
